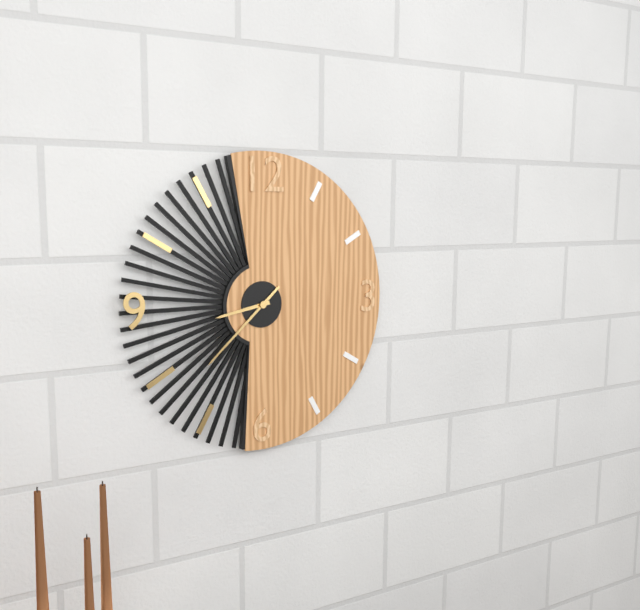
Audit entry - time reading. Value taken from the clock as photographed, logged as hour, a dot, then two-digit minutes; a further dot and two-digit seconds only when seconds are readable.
8.38
